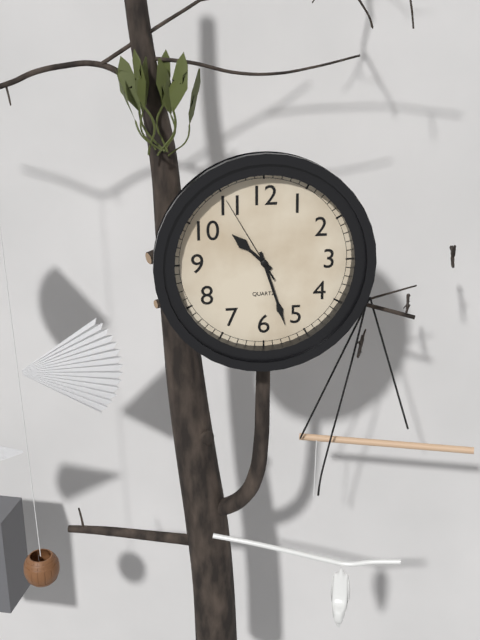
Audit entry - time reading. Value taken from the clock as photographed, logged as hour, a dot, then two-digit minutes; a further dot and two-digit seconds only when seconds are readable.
10.27.55
